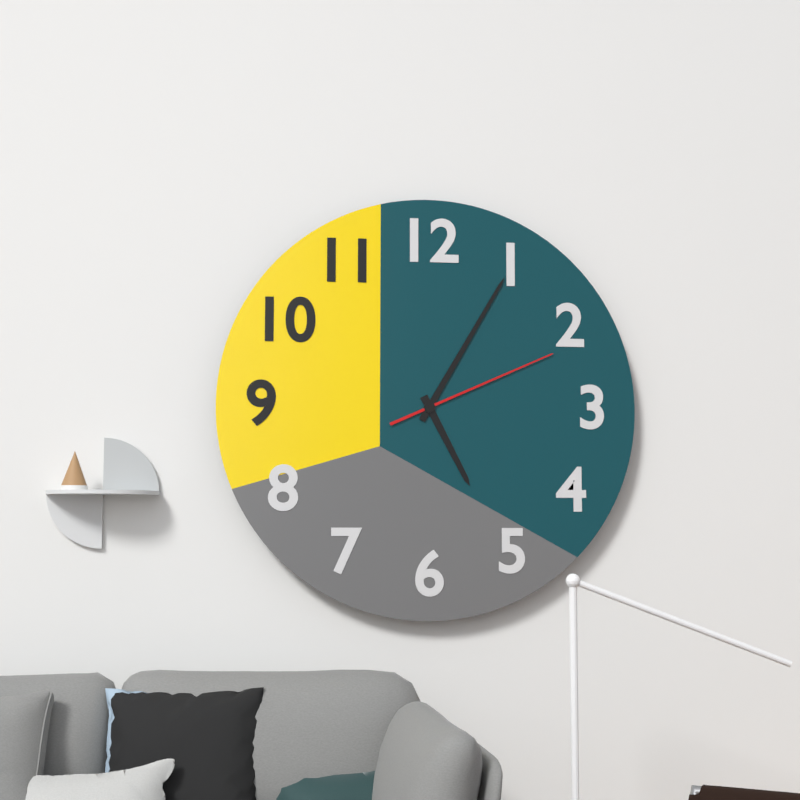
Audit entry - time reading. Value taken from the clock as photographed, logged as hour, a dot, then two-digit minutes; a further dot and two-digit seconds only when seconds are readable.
5.05.11
